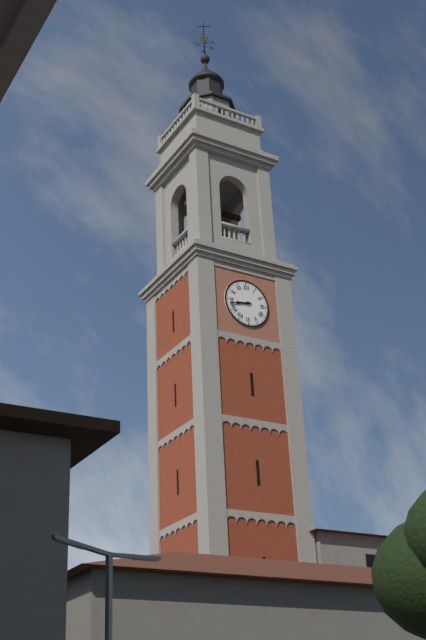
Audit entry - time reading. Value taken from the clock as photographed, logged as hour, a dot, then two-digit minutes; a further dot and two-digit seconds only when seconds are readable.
8.43
